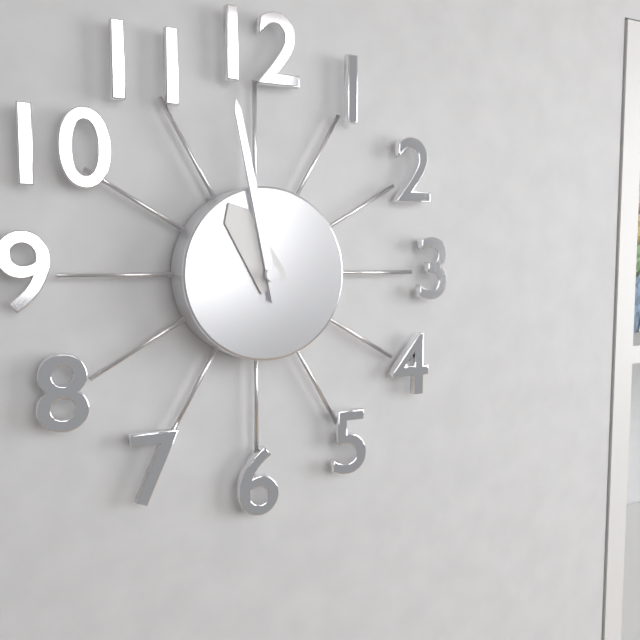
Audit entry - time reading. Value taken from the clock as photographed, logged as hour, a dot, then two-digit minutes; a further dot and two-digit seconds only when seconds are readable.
10.58
